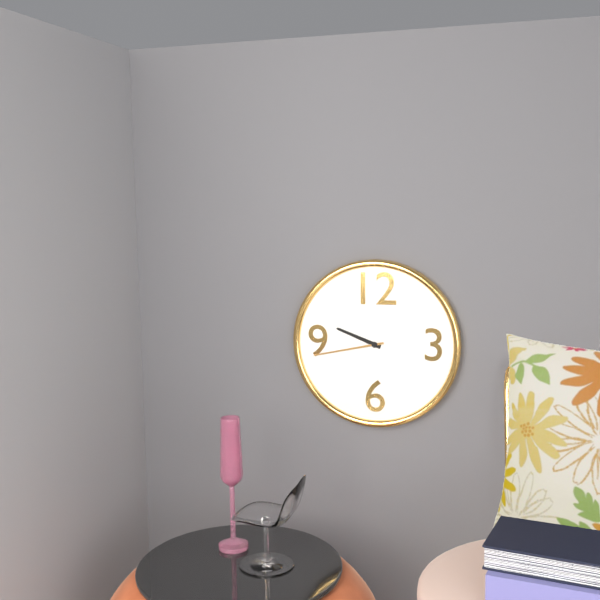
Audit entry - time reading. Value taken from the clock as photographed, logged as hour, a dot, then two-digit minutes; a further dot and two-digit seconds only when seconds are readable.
9.43
